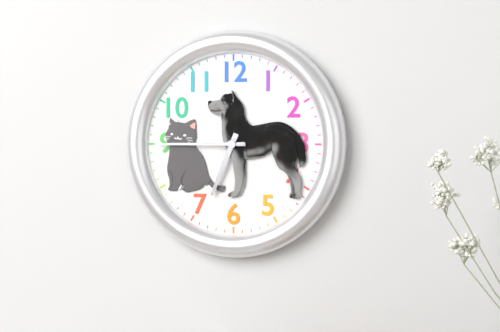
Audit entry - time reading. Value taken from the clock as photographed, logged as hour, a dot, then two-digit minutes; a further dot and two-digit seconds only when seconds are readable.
6.45
